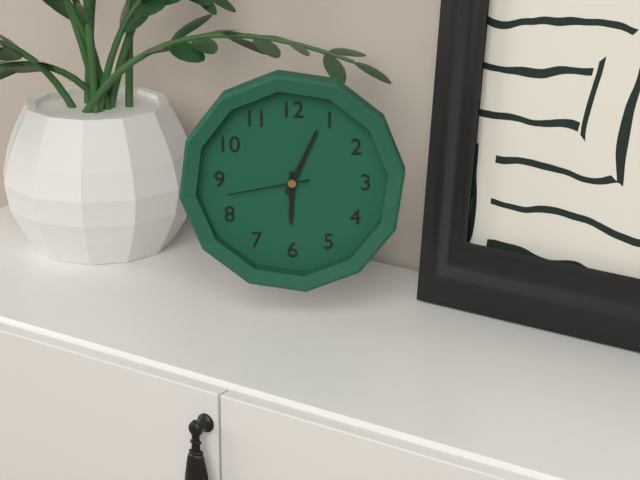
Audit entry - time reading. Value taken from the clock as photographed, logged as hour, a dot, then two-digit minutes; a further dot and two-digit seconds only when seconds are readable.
6.04.43
